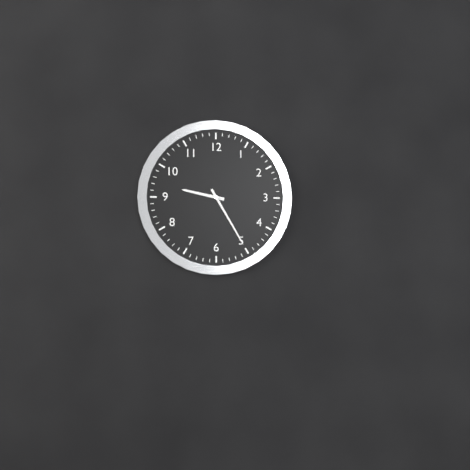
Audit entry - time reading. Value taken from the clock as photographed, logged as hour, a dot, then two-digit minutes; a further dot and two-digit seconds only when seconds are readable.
9.25
